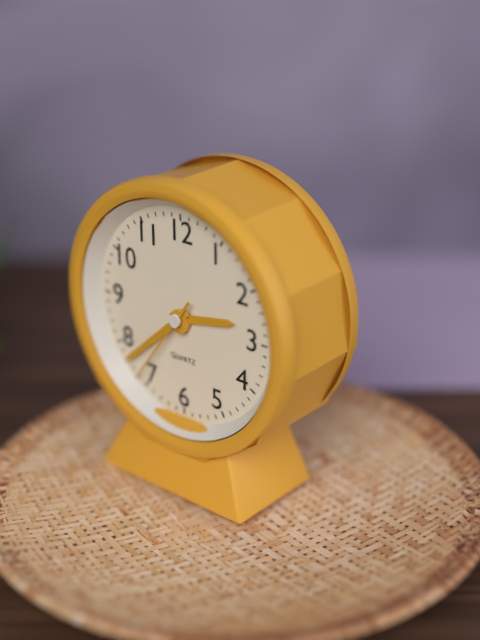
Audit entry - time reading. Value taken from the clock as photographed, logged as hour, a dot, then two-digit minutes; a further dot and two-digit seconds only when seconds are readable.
2.38.36
